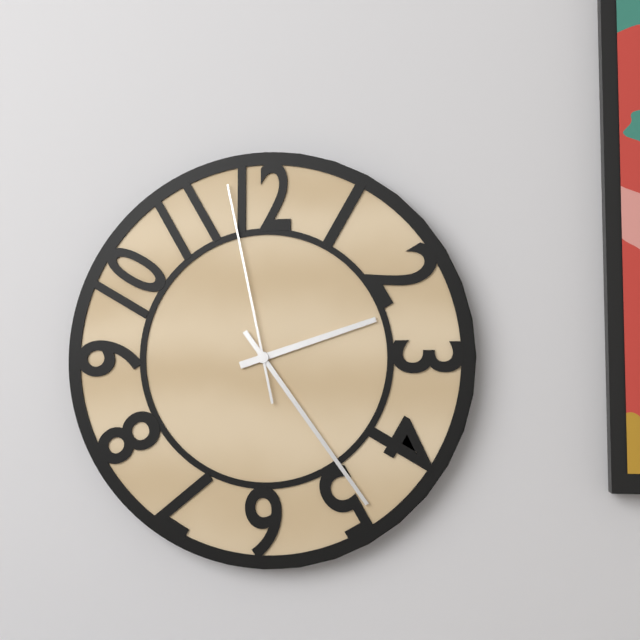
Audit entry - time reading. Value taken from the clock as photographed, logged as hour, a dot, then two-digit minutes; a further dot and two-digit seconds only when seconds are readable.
2.24.58
